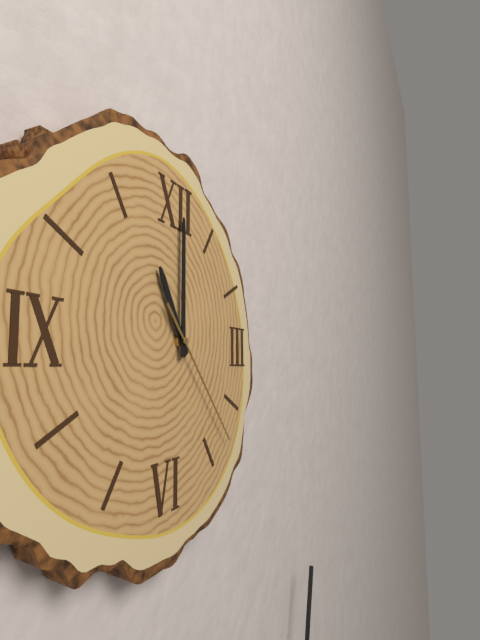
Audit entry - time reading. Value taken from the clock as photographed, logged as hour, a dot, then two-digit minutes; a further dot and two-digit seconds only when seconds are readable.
11.00.23
